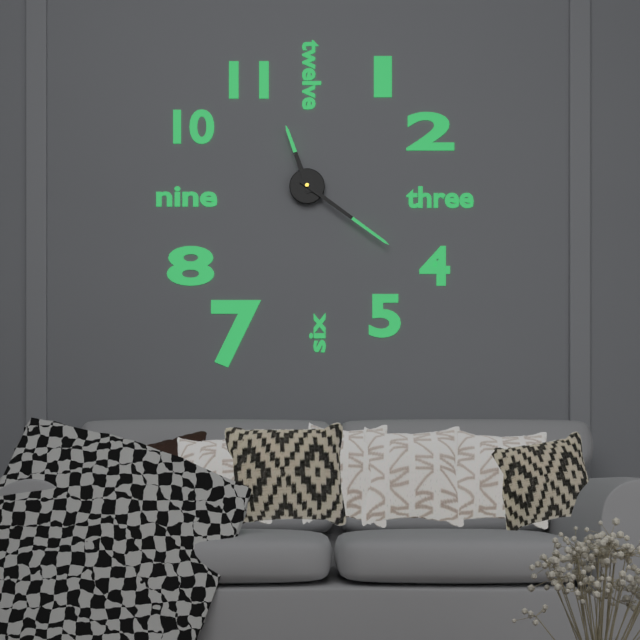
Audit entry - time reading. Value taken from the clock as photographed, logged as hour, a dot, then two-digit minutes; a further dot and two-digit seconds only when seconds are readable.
11.21
